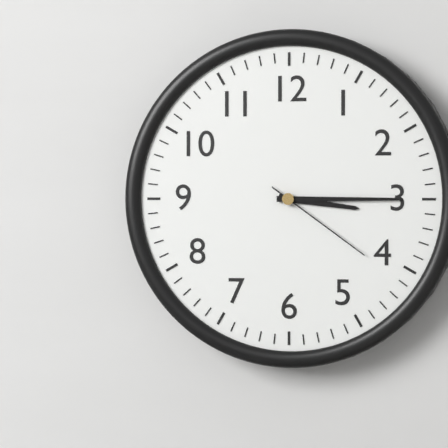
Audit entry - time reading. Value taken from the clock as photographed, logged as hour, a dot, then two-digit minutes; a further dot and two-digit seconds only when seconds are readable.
3.15.21
